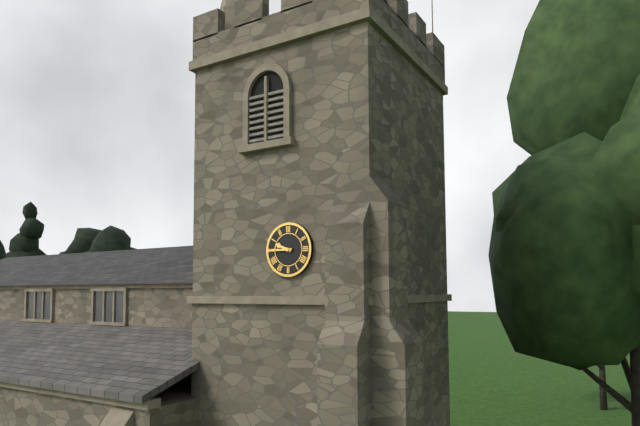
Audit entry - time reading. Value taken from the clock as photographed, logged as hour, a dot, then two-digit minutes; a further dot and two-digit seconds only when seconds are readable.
9.45
